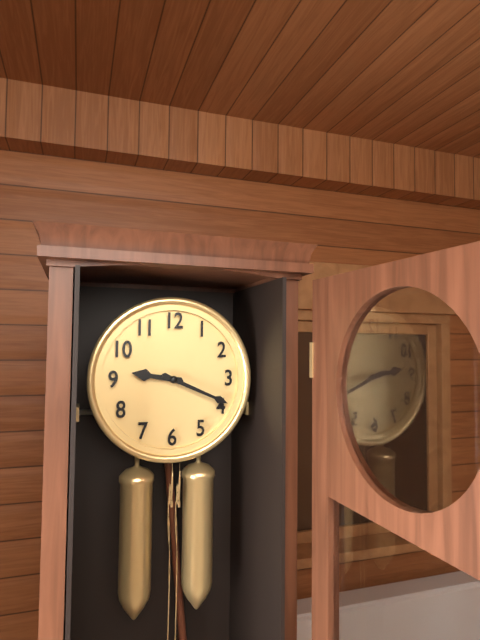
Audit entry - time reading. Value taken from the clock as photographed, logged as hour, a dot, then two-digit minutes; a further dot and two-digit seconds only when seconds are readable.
9.19
